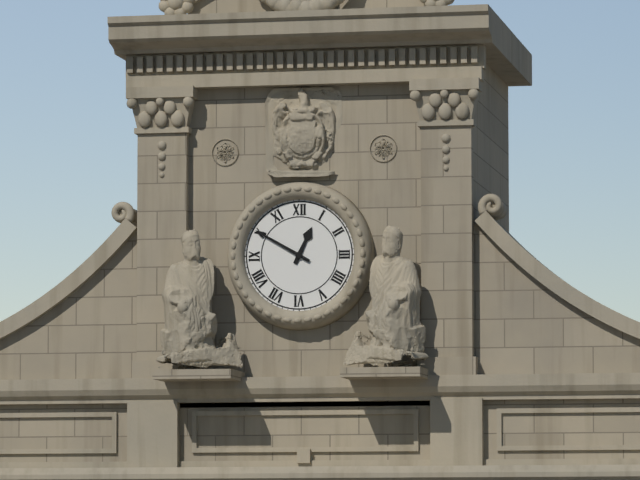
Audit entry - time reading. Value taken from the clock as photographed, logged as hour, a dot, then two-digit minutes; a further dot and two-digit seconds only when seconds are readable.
12.50
